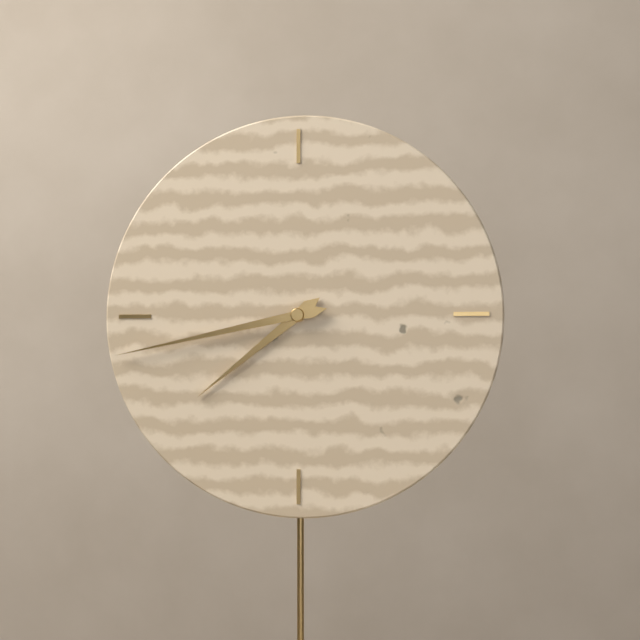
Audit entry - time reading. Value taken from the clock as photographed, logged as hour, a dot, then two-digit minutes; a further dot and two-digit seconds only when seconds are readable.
7.43
